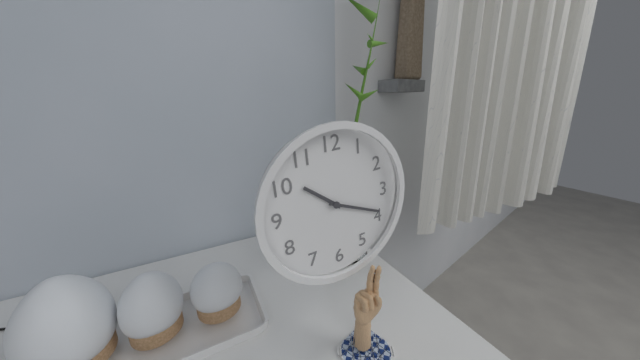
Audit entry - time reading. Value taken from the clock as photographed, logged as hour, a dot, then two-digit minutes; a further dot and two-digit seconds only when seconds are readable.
10.19
